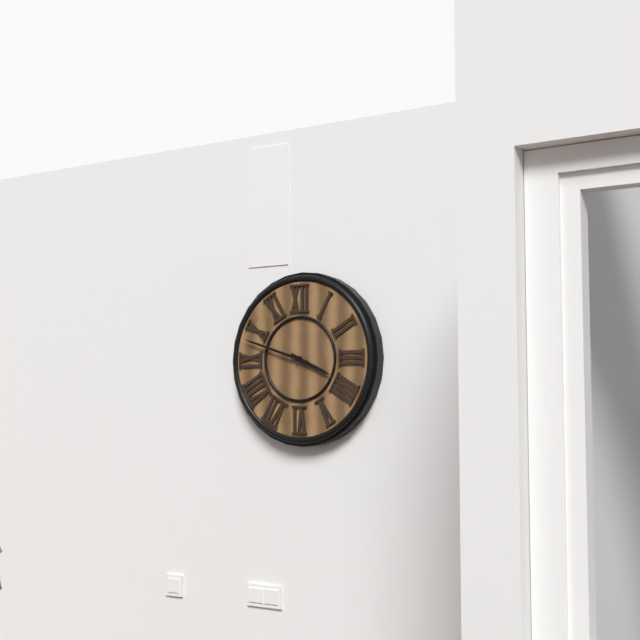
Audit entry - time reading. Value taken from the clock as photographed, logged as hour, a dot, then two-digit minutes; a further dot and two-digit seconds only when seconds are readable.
3.48
